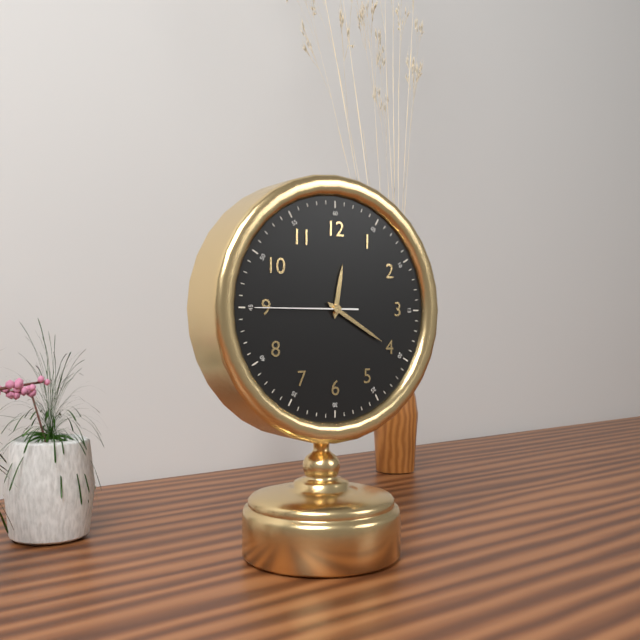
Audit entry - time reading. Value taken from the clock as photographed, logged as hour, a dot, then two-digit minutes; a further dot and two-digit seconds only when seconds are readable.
12.20.45
